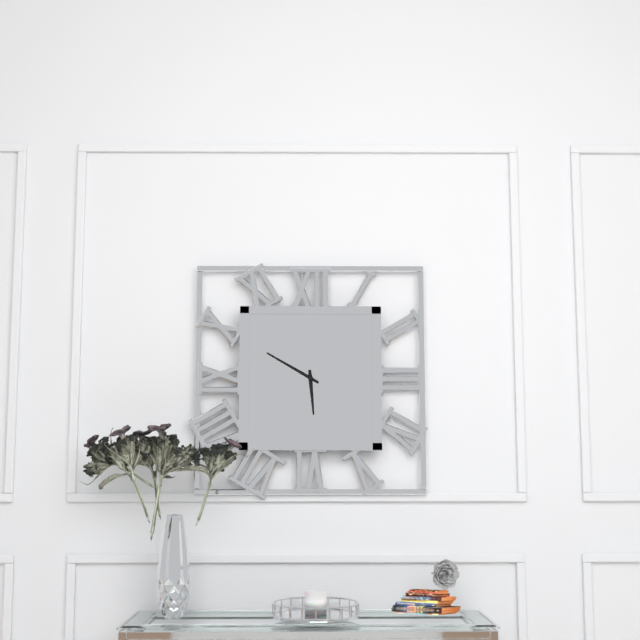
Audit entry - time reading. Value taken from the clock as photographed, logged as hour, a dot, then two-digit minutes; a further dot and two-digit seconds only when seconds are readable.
5.50
